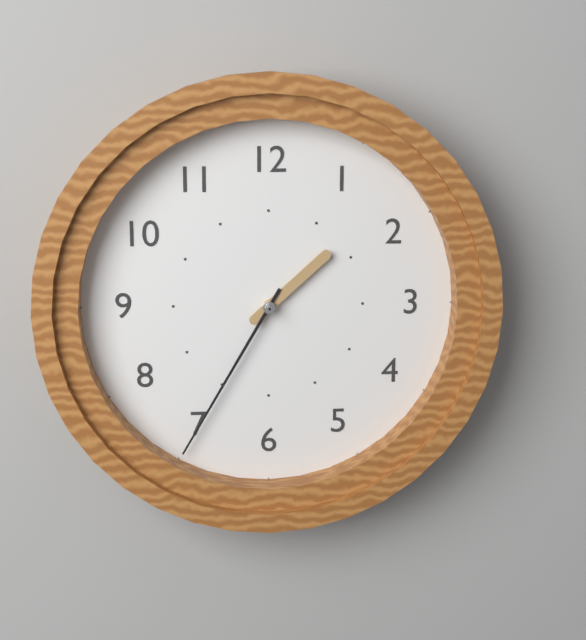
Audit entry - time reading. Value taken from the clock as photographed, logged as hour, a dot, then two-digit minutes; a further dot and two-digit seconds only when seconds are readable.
1.35
